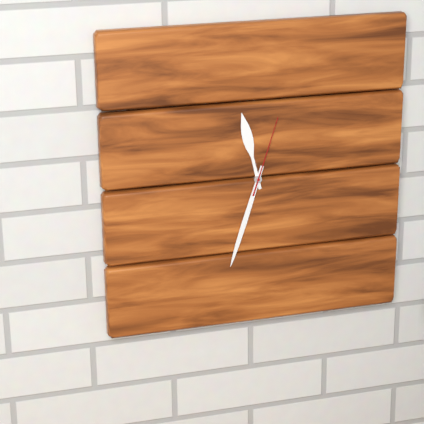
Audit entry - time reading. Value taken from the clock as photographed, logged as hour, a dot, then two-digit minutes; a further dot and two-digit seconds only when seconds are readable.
11.33.03
